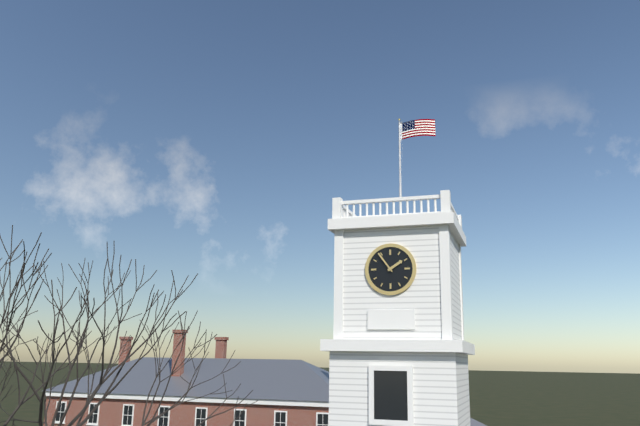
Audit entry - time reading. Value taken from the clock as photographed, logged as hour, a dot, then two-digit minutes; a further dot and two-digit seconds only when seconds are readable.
1.54
